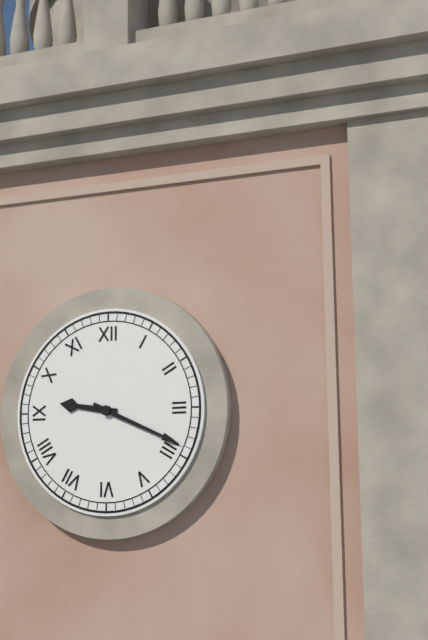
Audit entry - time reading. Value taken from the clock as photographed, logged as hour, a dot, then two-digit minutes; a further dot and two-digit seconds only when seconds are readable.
9.19
